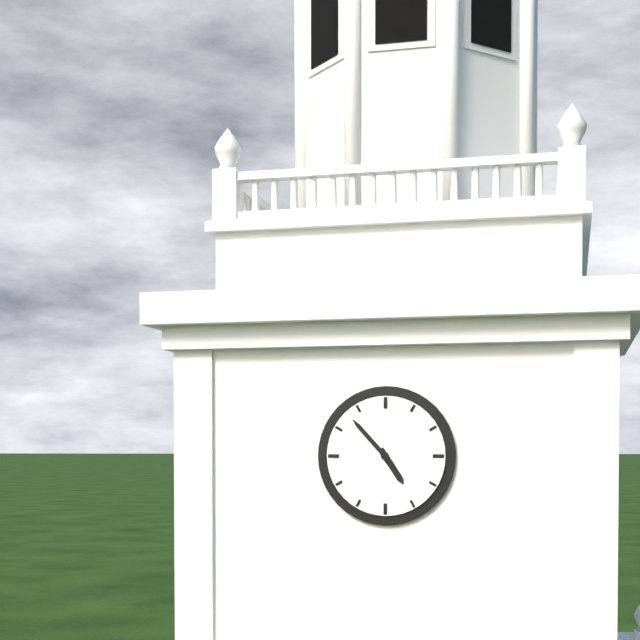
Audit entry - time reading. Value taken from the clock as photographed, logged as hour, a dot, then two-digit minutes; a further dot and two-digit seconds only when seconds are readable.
4.53
